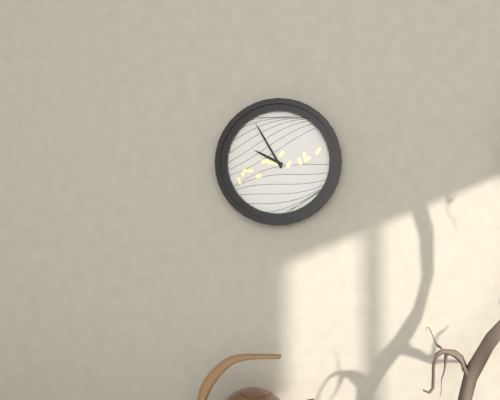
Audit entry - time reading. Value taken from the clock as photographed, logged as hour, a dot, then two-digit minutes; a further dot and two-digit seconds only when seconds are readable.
9.55
